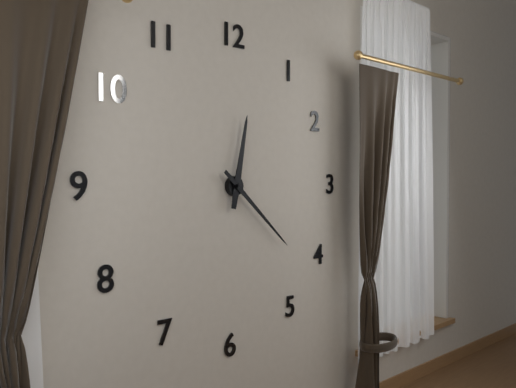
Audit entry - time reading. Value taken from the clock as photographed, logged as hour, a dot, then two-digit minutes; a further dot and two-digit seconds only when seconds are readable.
12.22
